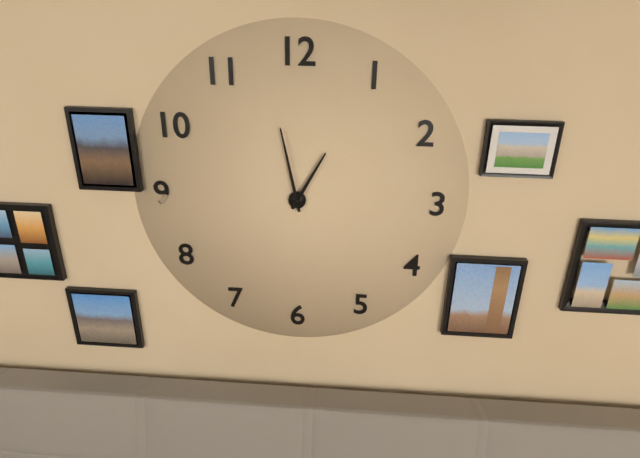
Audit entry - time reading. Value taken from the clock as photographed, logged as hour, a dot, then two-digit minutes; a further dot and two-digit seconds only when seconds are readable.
12.58
